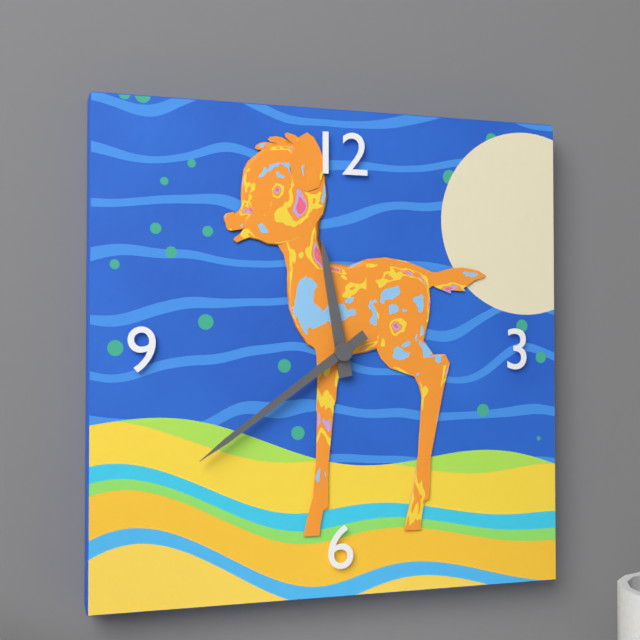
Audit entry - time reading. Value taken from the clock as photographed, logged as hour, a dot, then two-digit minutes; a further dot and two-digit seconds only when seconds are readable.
11.39
